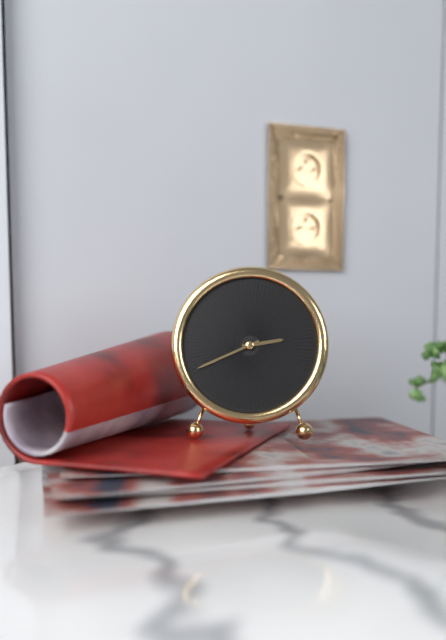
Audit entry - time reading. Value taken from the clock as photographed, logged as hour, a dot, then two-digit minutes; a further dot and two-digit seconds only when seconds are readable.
2.41
